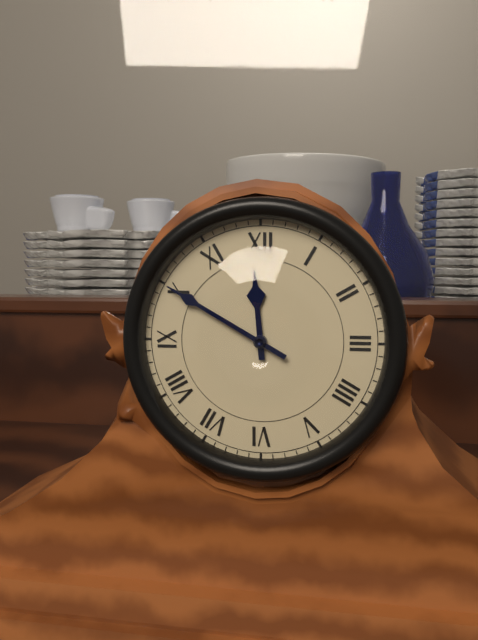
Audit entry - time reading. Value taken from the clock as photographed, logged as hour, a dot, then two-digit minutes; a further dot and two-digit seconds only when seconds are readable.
11.50
